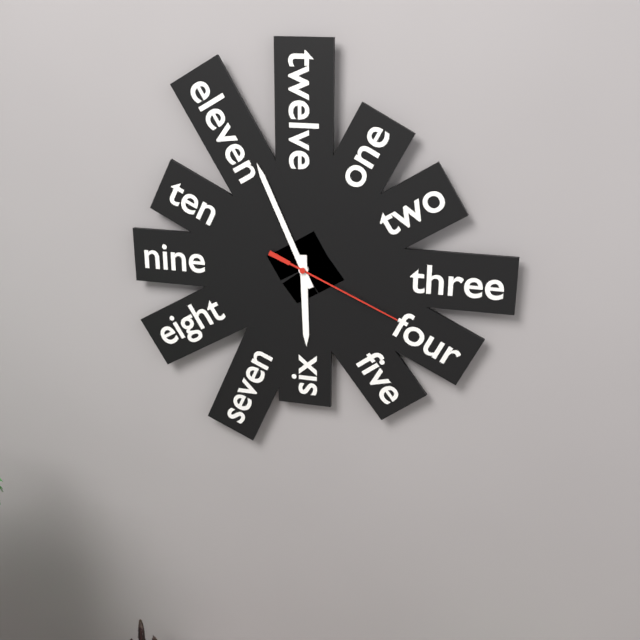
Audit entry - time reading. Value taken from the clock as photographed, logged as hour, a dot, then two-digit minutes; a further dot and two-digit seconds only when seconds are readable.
5.56.19
